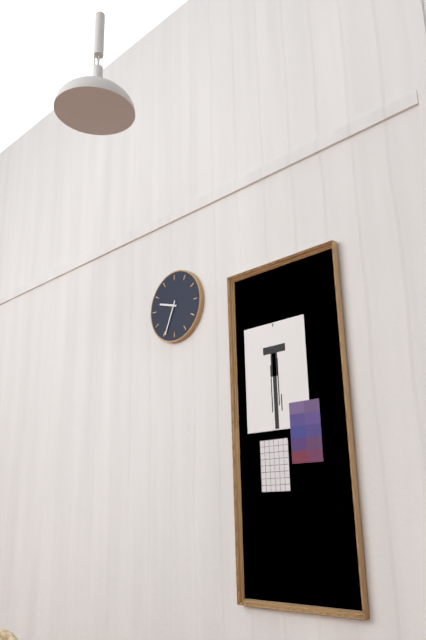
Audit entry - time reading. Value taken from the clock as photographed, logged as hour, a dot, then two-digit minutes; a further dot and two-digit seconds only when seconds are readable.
9.34
